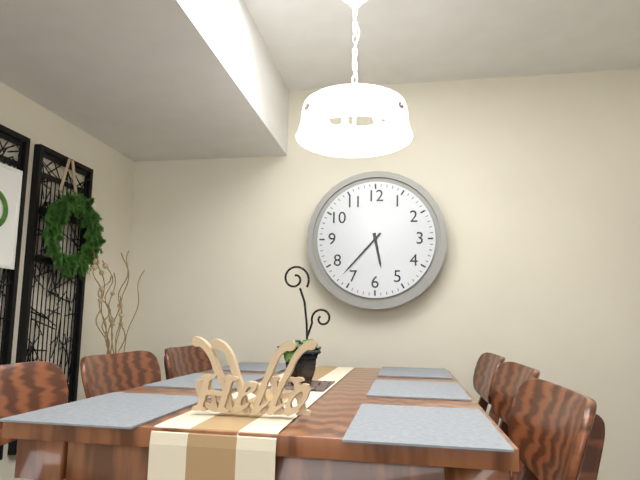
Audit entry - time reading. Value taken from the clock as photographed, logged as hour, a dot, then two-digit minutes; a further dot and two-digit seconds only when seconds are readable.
5.37
